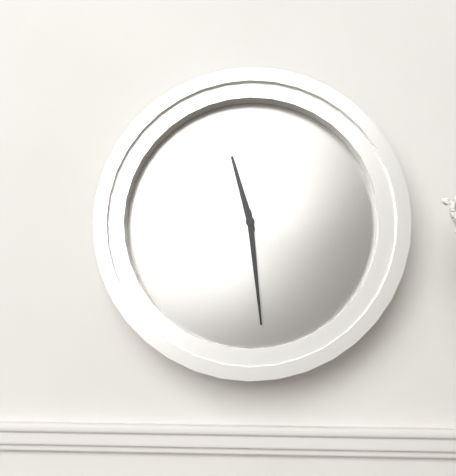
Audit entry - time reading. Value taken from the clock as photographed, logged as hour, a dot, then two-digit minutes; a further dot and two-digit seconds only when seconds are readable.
11.29
